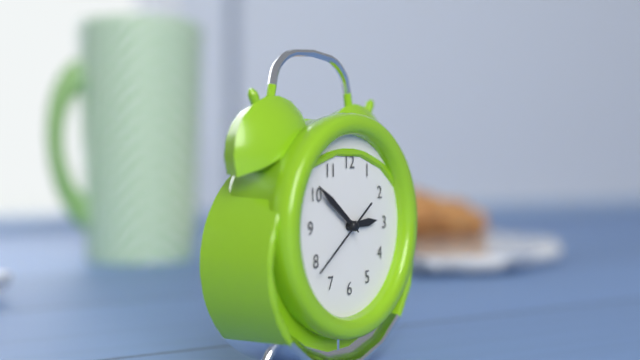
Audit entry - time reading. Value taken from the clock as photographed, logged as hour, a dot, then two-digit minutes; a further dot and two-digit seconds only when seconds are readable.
2.51.39
